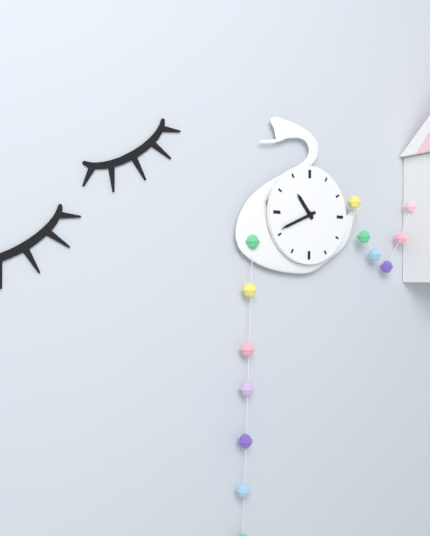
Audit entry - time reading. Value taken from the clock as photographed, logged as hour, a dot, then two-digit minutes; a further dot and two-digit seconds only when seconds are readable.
10.41
